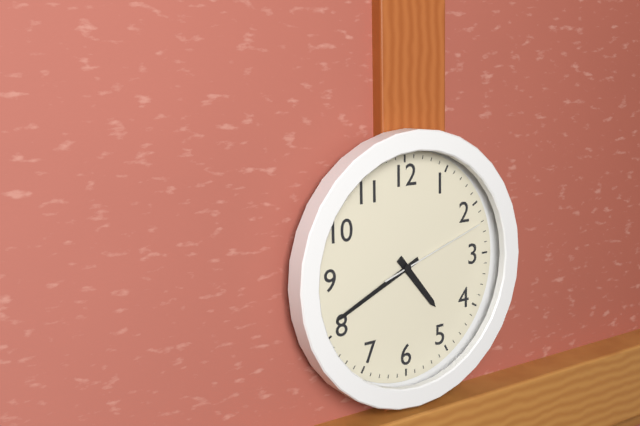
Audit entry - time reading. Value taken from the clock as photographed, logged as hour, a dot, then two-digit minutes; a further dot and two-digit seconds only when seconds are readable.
4.41.12
